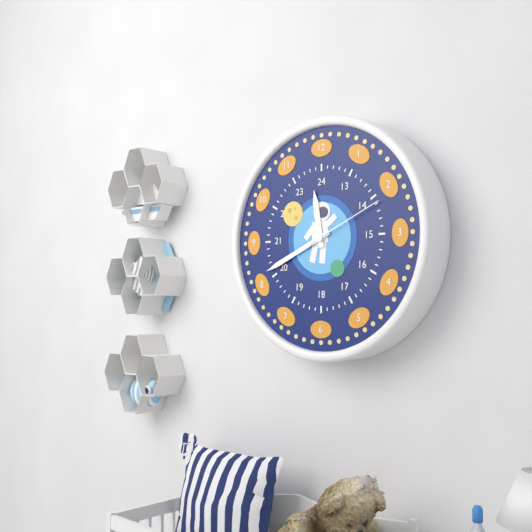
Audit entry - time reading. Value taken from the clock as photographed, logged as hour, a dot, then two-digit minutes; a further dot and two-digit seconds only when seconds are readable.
11.41.11
